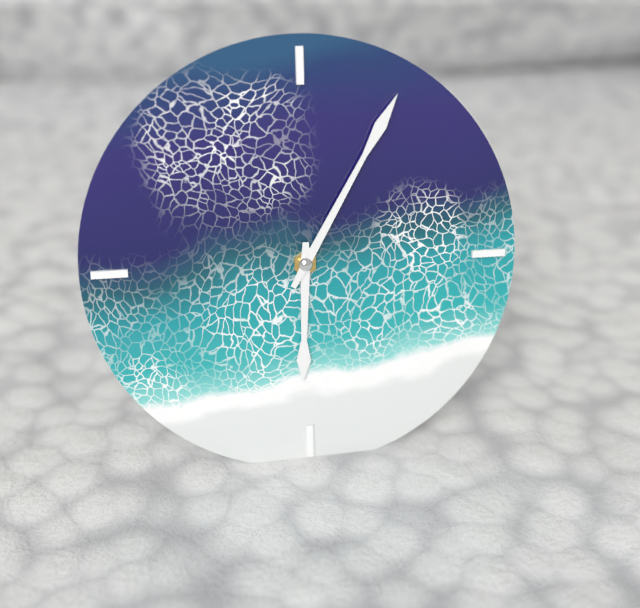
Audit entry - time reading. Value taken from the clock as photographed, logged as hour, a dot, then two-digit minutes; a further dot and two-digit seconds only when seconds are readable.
6.05
